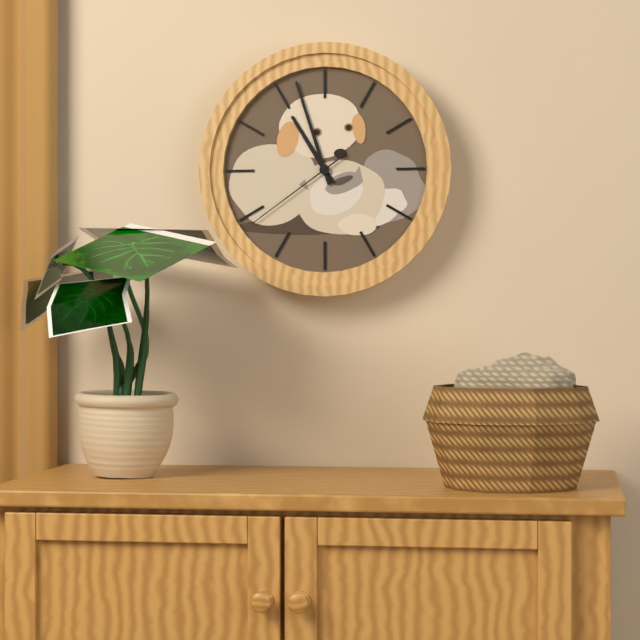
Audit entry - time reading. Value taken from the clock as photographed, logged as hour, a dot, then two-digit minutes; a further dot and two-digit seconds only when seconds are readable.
10.57.39
